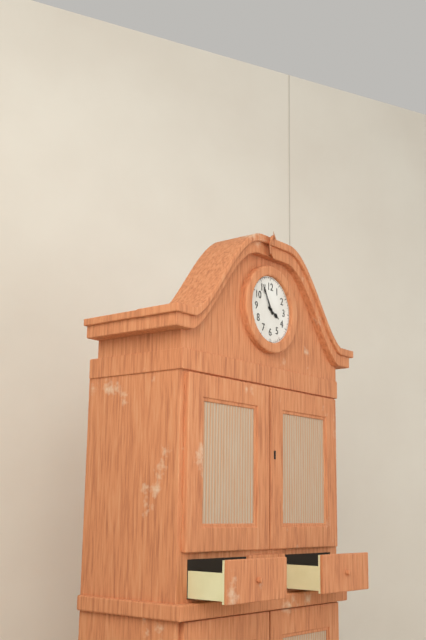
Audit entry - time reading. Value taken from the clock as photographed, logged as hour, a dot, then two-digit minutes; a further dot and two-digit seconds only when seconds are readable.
3.55
